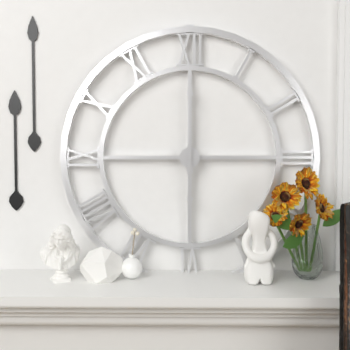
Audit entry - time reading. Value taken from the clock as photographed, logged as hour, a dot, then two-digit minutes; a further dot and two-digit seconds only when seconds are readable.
6.00
